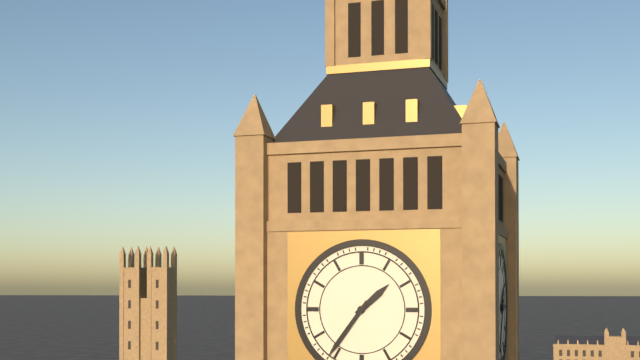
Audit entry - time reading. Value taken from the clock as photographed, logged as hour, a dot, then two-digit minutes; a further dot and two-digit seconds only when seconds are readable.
1.36
